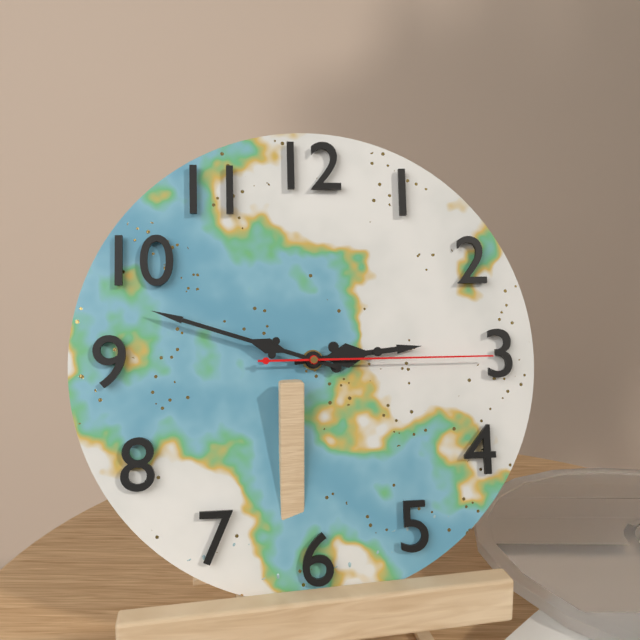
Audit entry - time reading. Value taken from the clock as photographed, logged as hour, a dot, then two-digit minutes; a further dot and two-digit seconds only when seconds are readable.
2.48.15
